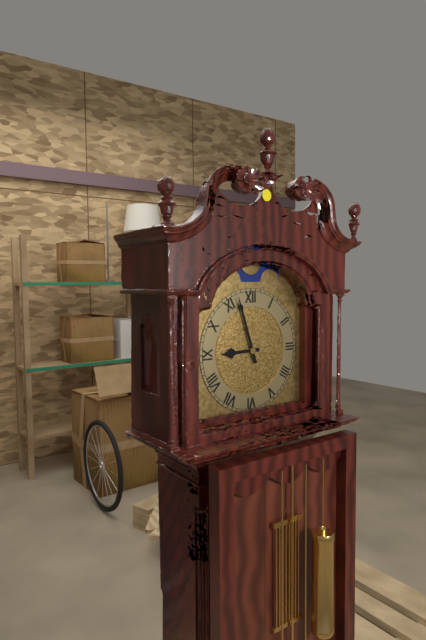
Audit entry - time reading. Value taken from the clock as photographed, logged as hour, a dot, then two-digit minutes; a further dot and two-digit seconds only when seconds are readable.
8.57
